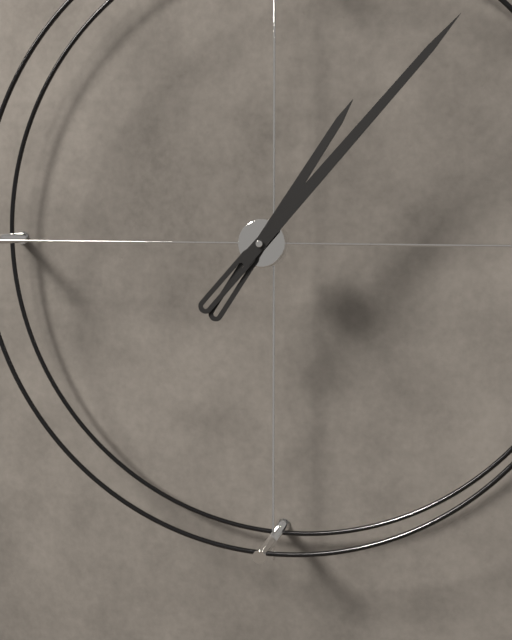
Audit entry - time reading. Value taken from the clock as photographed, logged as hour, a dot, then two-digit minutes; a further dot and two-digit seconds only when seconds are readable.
1.07
